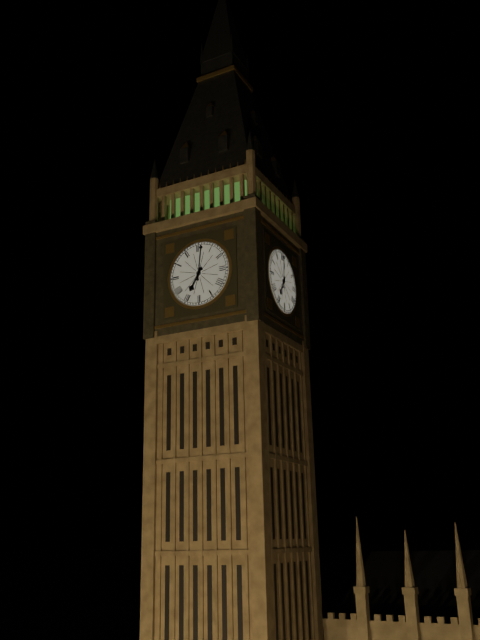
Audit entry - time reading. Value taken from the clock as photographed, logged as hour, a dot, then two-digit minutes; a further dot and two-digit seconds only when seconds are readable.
7.01
